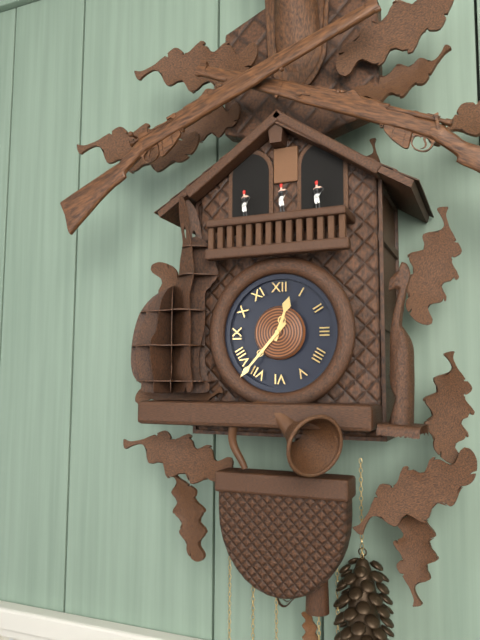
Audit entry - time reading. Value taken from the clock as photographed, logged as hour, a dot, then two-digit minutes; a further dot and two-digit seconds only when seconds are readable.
12.37
